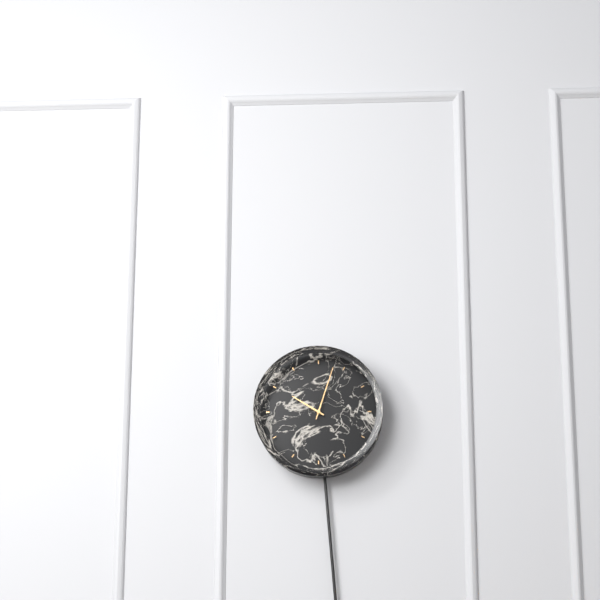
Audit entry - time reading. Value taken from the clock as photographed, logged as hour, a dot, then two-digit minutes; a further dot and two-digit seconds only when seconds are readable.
10.03
